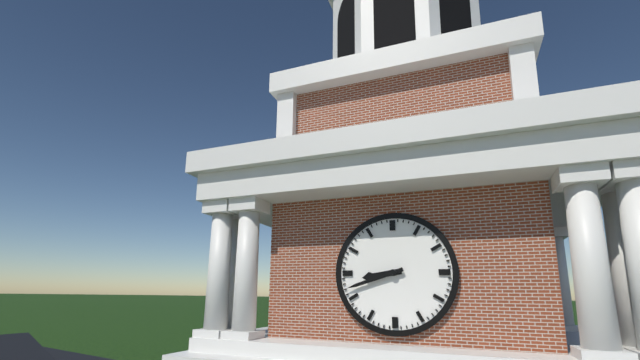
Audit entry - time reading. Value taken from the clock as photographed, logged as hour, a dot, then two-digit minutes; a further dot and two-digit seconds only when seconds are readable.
8.42
